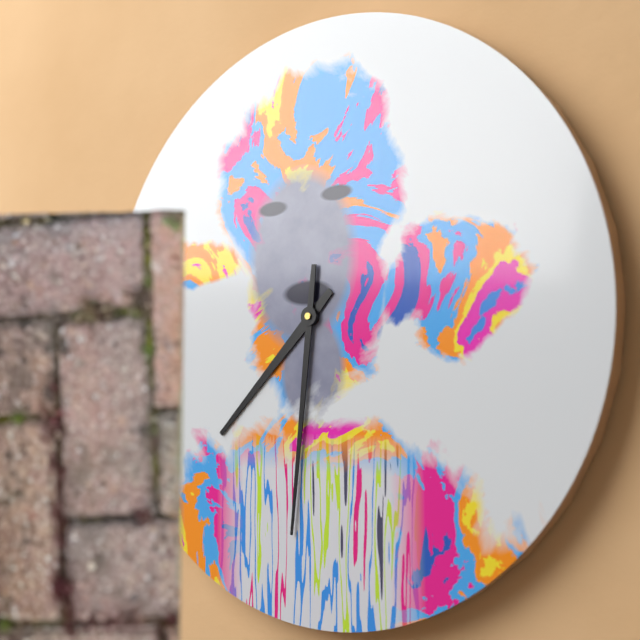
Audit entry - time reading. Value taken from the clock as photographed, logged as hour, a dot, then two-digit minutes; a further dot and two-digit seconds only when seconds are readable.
7.31
